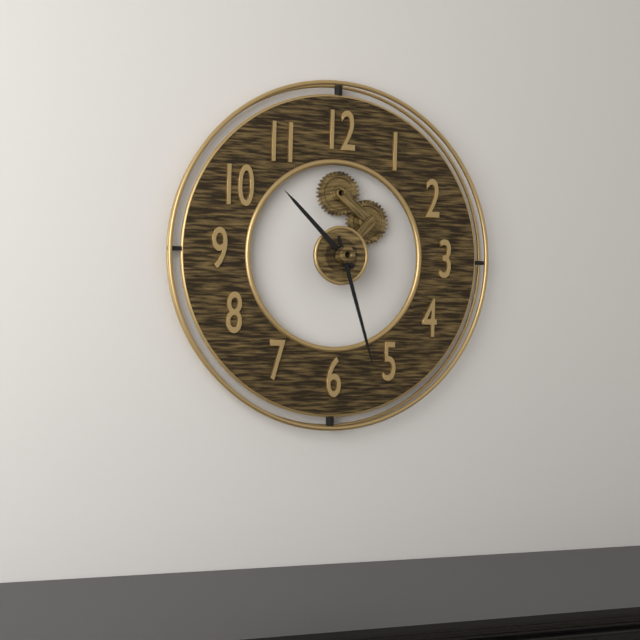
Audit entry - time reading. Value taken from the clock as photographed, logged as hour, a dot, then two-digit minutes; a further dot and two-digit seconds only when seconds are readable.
10.27
